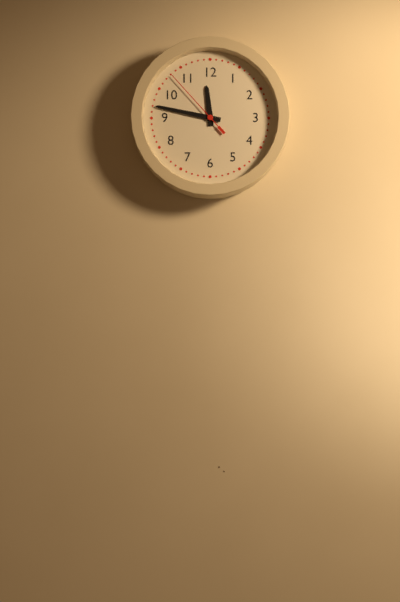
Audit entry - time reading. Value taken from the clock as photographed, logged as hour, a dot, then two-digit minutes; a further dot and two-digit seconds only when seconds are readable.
11.47.53
